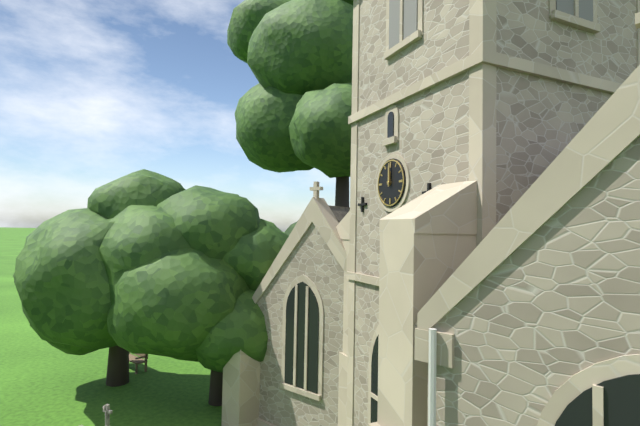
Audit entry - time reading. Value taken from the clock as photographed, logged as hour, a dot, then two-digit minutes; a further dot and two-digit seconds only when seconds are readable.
12.00
